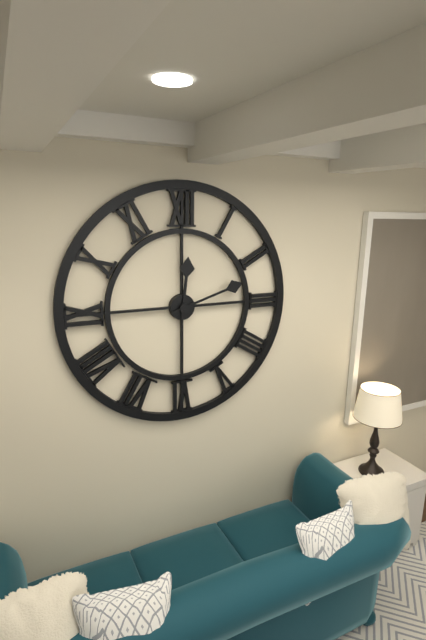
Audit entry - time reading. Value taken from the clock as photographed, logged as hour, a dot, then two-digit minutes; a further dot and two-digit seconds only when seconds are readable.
12.12
